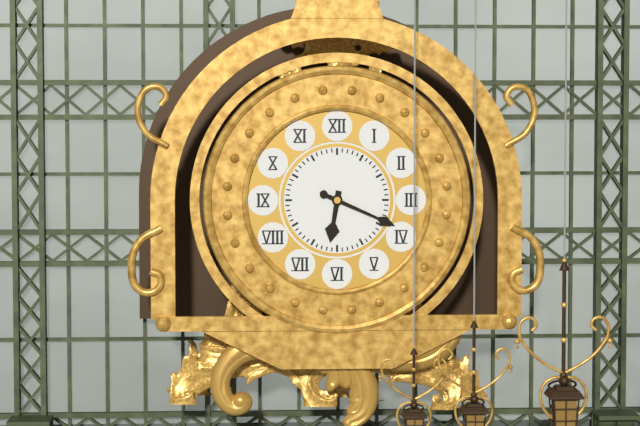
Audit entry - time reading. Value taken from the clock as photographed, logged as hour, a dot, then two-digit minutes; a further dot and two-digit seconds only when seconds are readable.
6.19
